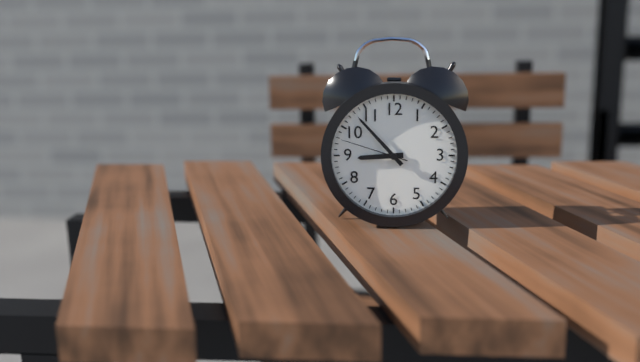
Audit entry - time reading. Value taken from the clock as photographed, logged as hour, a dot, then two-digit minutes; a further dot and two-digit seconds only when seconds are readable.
8.53.48
